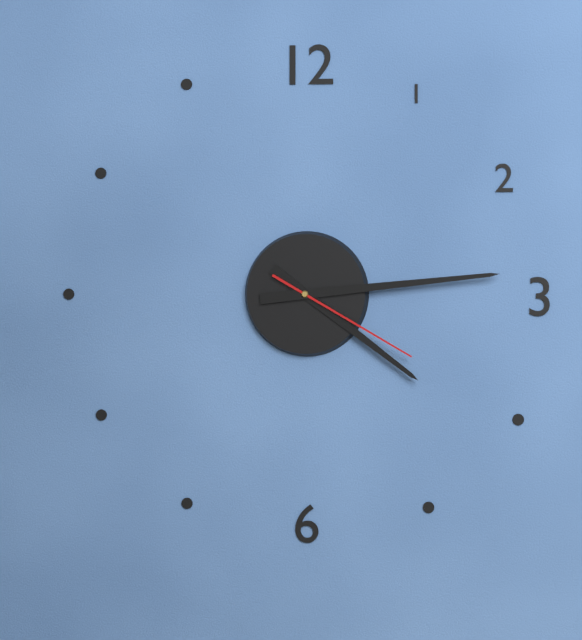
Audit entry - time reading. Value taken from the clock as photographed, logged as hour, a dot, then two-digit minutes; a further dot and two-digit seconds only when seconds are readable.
4.14.20
